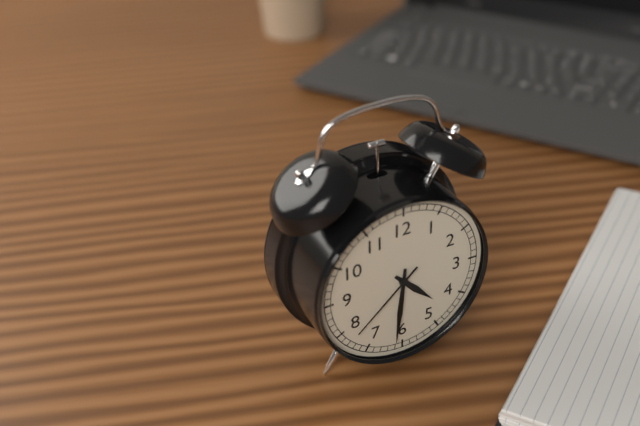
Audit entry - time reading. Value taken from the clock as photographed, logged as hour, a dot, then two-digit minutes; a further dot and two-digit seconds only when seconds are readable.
4.31.38
